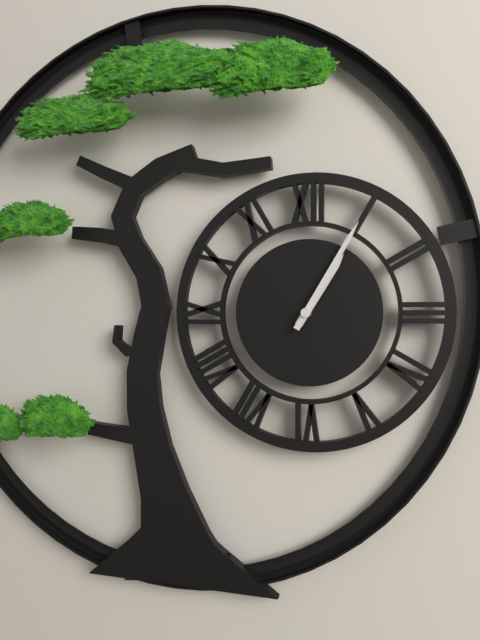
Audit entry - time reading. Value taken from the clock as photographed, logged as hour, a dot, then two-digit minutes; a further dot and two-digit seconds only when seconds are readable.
1.05
